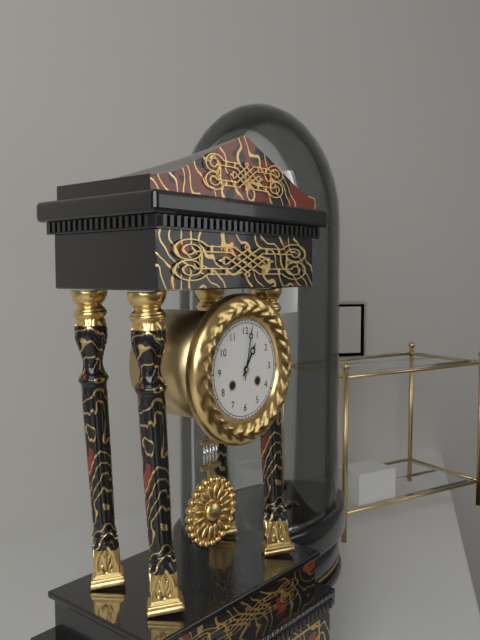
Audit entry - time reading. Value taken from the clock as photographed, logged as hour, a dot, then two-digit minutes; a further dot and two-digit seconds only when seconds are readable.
1.02
